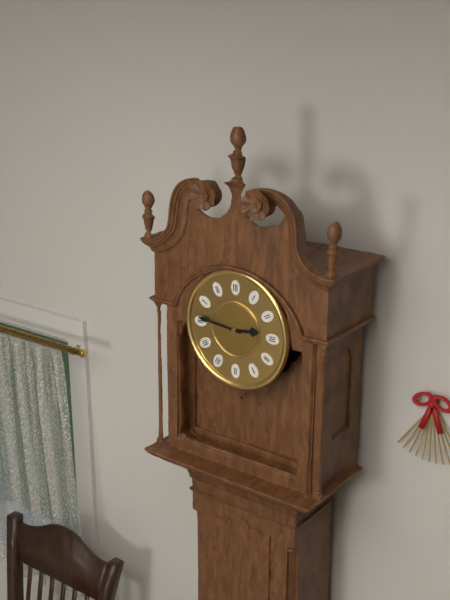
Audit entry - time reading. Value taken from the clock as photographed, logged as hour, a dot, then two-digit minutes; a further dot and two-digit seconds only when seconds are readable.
2.46
